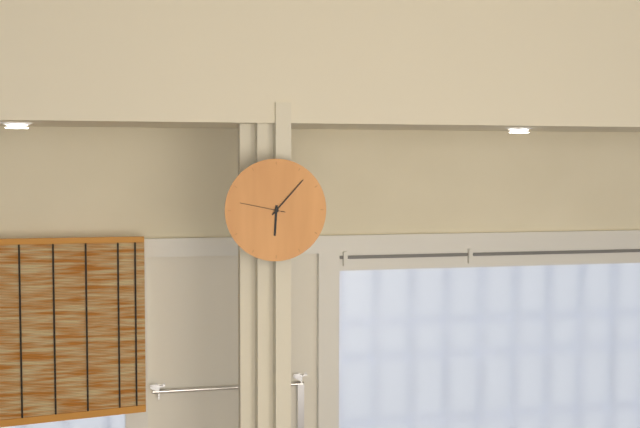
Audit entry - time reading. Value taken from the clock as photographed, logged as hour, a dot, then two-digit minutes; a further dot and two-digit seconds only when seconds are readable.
6.07
